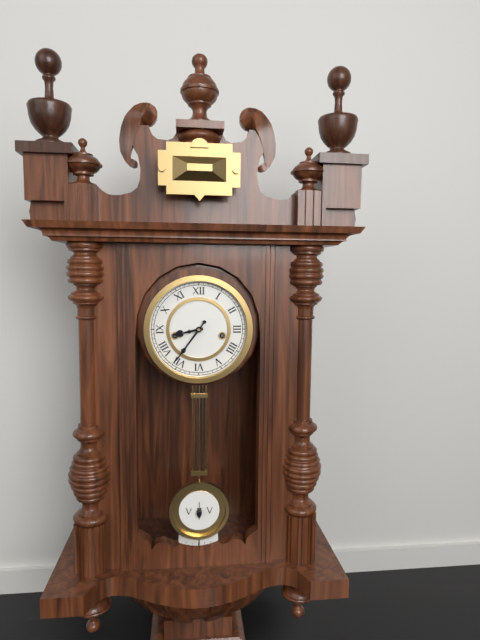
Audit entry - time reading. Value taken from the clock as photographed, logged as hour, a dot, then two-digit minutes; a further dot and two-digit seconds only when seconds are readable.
8.36
